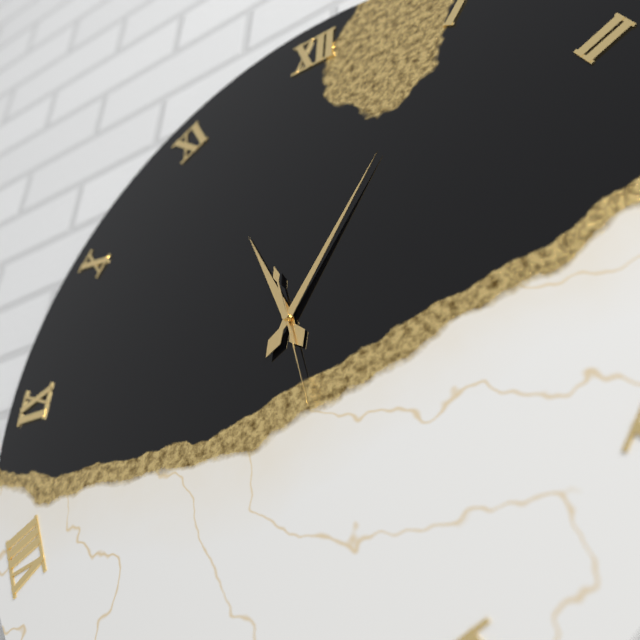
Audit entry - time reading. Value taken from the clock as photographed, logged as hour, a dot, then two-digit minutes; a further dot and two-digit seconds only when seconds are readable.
11.05.27
